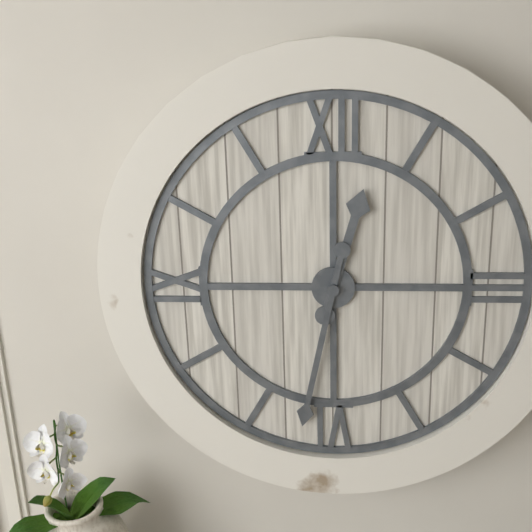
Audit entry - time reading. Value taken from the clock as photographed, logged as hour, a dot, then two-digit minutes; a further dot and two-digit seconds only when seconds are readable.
12.32
